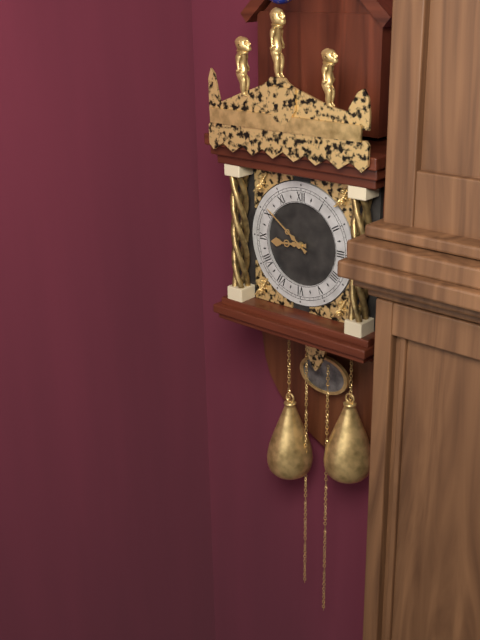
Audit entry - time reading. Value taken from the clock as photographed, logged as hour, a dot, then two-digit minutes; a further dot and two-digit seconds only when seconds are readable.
8.51
